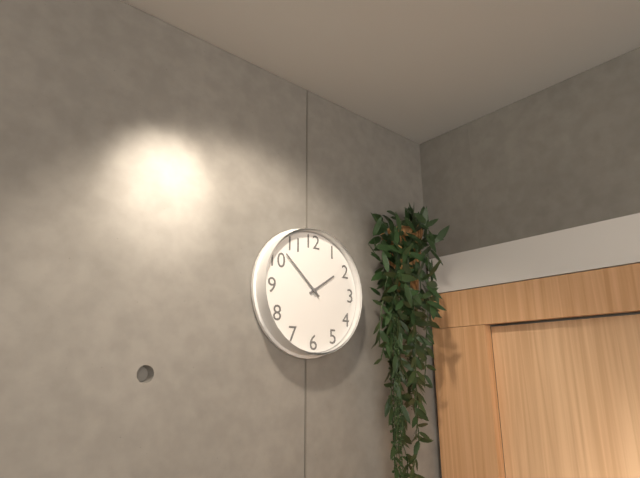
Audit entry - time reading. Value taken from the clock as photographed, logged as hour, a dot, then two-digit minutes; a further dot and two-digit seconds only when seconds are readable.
1.52
